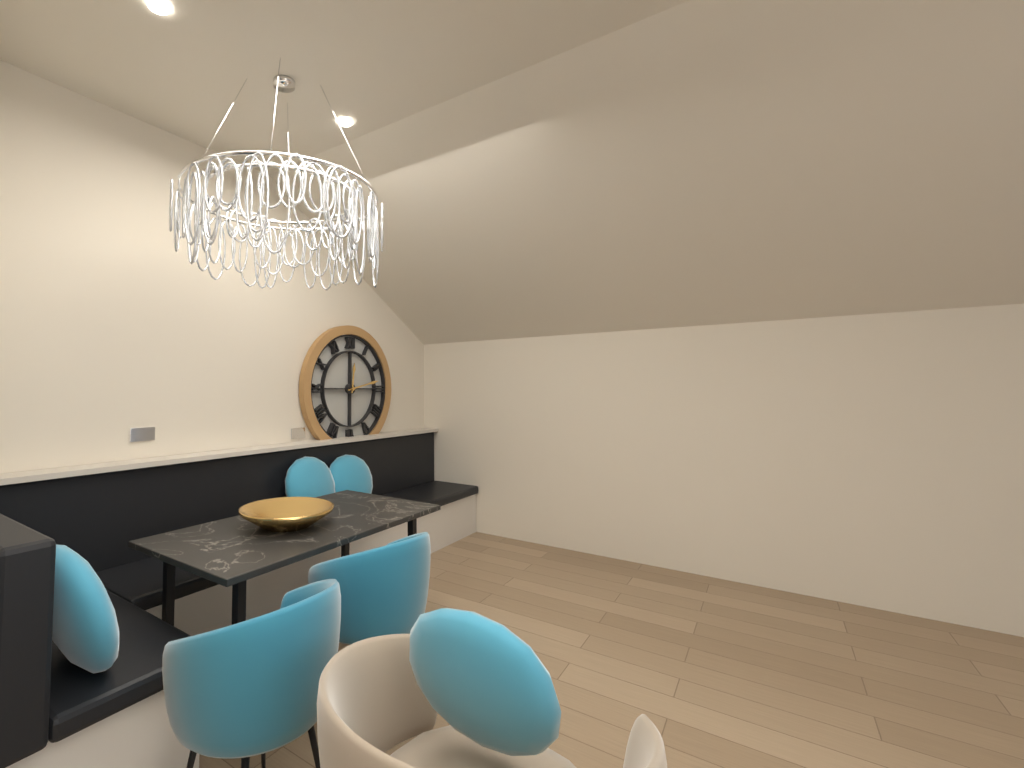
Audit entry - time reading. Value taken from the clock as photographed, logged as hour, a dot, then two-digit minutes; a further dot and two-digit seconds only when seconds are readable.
12.13
